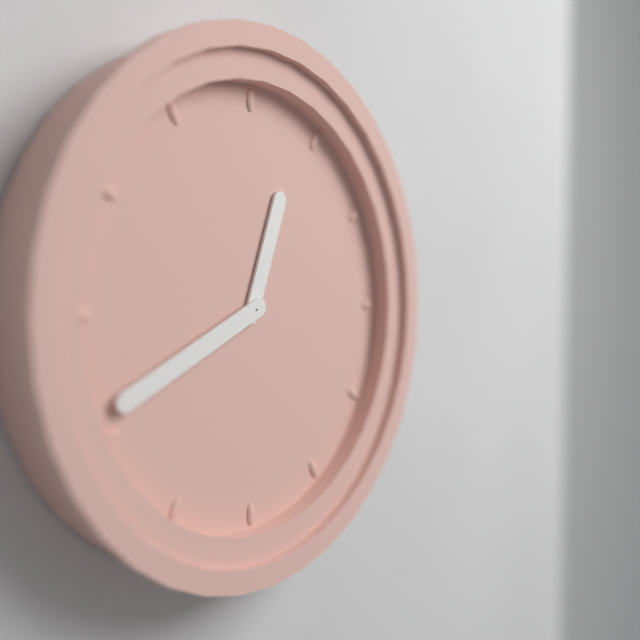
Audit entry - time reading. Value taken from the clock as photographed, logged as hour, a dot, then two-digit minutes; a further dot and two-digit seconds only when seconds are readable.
12.41
